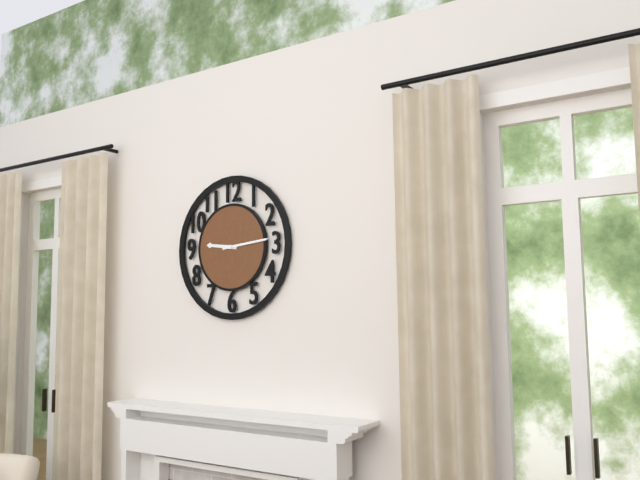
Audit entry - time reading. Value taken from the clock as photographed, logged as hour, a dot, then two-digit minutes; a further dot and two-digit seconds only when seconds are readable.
9.14
